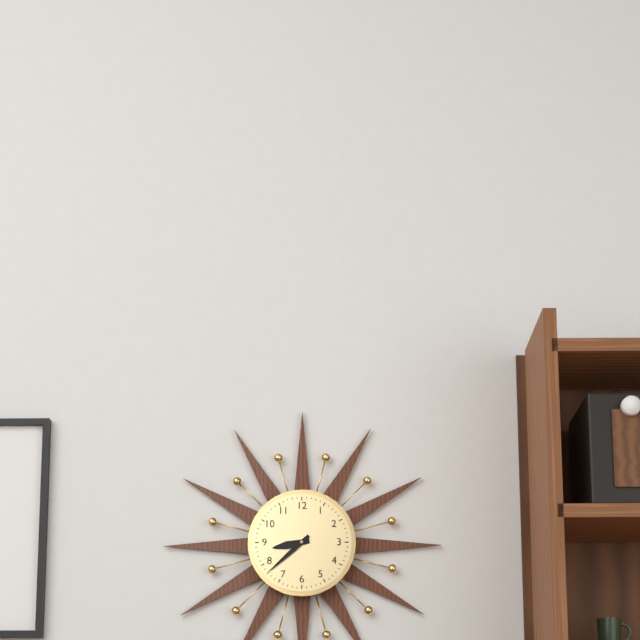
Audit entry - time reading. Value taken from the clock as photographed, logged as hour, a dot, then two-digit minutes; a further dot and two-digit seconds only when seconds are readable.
8.38
